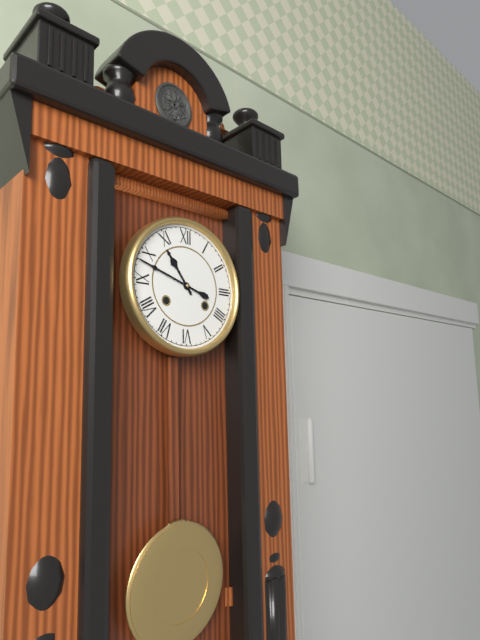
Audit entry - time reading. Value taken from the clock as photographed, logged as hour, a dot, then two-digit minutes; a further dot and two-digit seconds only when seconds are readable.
10.48
